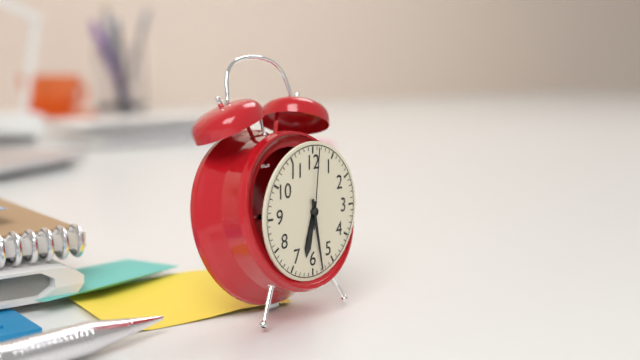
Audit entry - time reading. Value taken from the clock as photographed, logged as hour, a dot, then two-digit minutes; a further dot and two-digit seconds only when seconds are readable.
6.28.01
